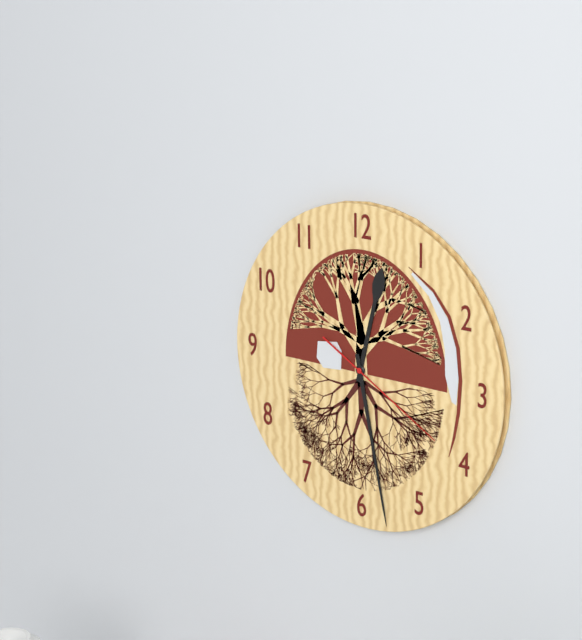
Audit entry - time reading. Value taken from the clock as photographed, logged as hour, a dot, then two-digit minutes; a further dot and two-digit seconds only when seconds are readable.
12.28.20
